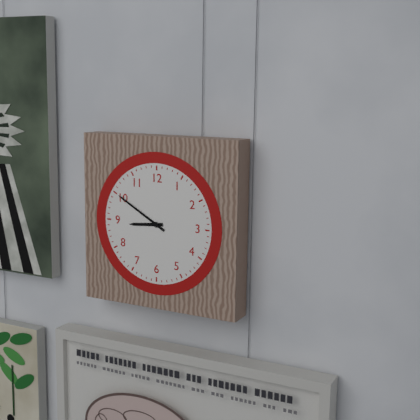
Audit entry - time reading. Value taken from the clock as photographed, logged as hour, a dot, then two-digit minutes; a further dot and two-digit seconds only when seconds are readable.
8.50
